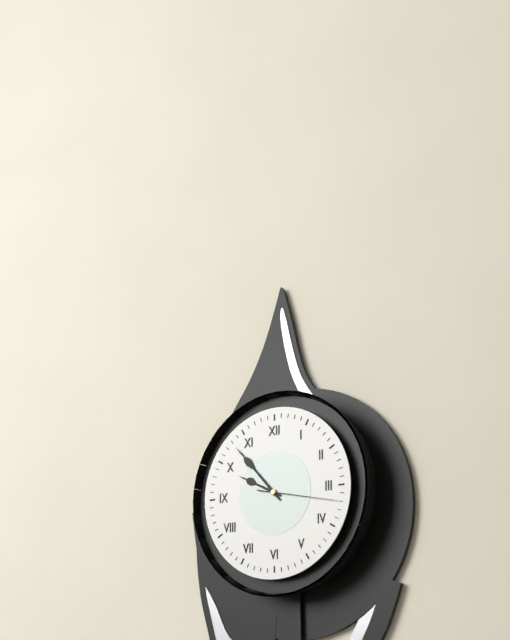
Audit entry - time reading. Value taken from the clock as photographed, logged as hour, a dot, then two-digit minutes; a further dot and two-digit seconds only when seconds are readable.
9.53.17
